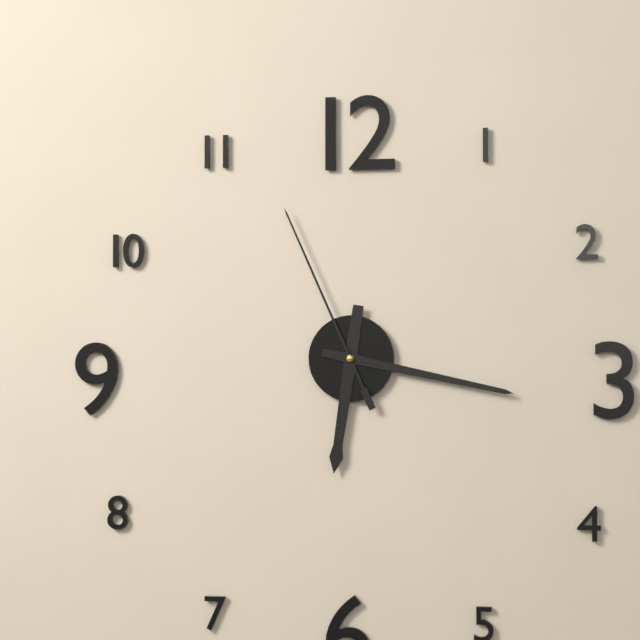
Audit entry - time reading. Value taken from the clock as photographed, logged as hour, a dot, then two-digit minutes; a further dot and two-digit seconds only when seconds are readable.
6.17.56
